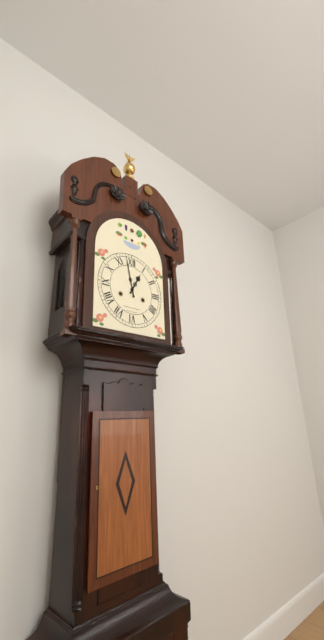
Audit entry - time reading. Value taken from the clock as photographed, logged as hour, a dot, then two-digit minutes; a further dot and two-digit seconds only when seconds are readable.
12.58
